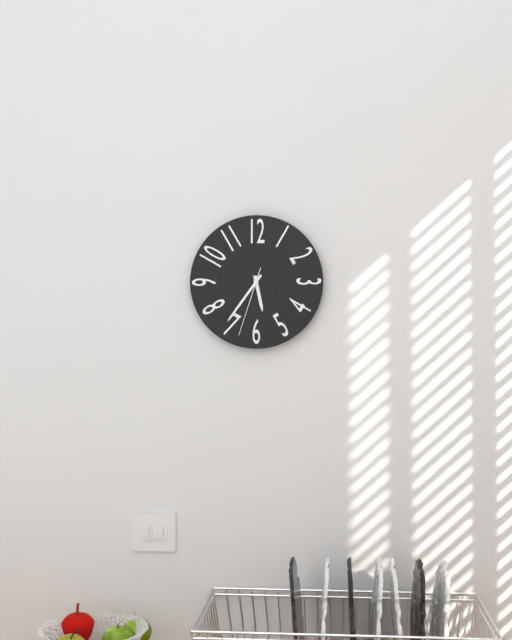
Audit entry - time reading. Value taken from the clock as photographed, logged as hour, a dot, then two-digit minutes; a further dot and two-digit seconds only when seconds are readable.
5.36.33
